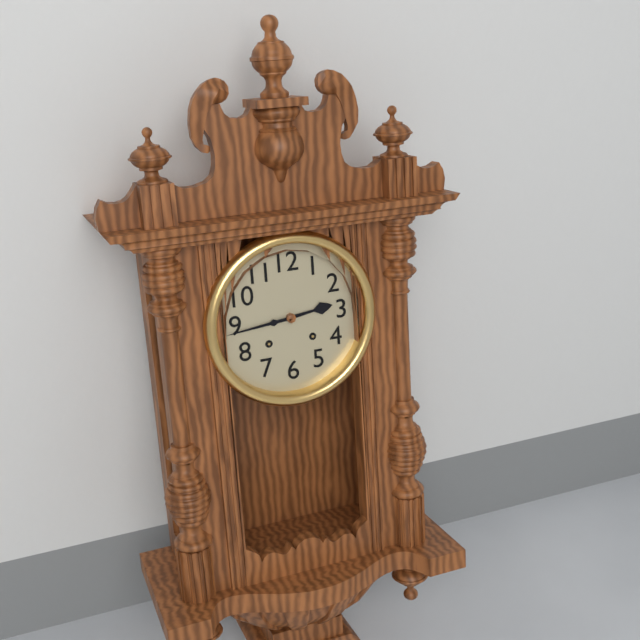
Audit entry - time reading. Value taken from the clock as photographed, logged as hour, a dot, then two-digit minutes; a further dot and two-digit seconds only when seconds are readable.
2.44
